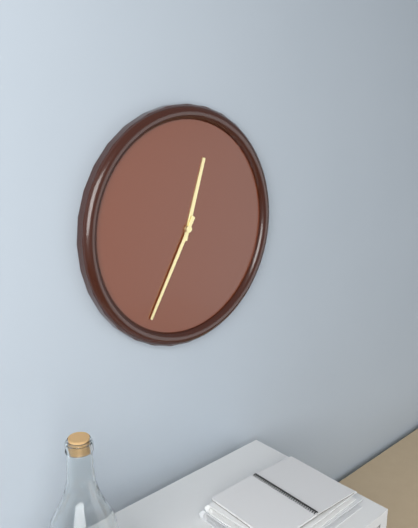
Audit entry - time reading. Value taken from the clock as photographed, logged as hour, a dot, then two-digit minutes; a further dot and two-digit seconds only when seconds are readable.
12.35
